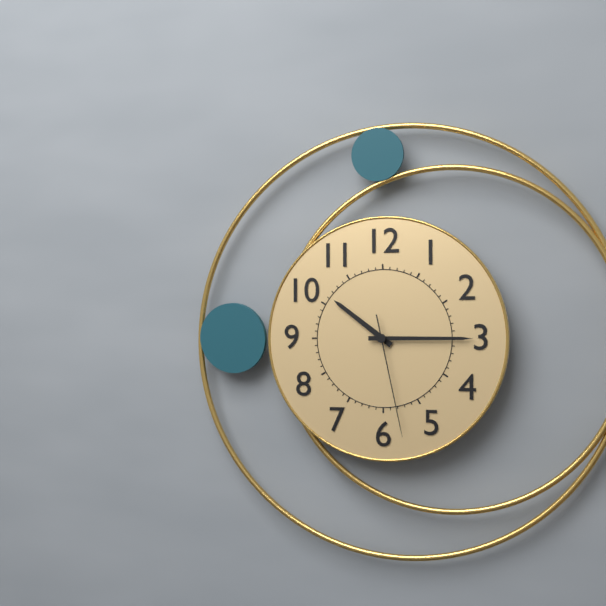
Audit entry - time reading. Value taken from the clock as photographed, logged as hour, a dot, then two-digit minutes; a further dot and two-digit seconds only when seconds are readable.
10.15.28
